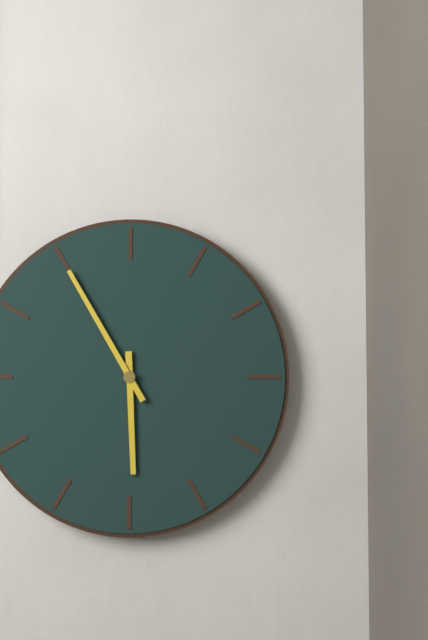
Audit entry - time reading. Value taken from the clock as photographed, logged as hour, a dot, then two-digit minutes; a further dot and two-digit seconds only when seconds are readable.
5.55
